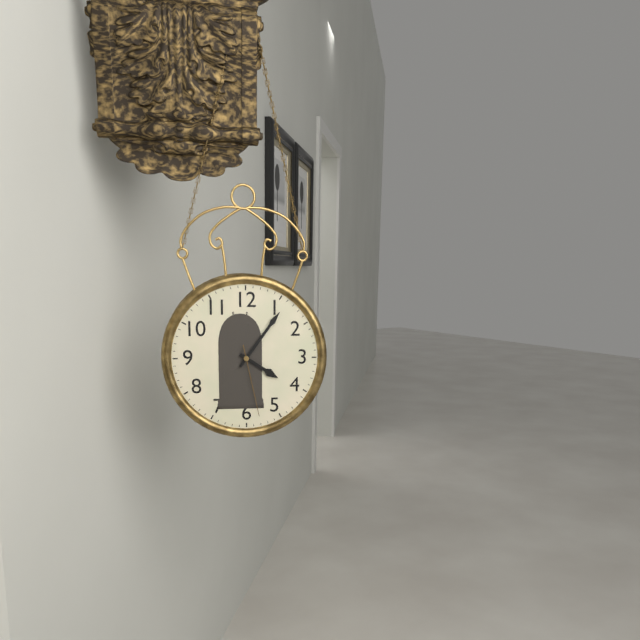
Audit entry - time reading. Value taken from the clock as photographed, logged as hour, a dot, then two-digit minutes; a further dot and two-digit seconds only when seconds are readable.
4.06.28
